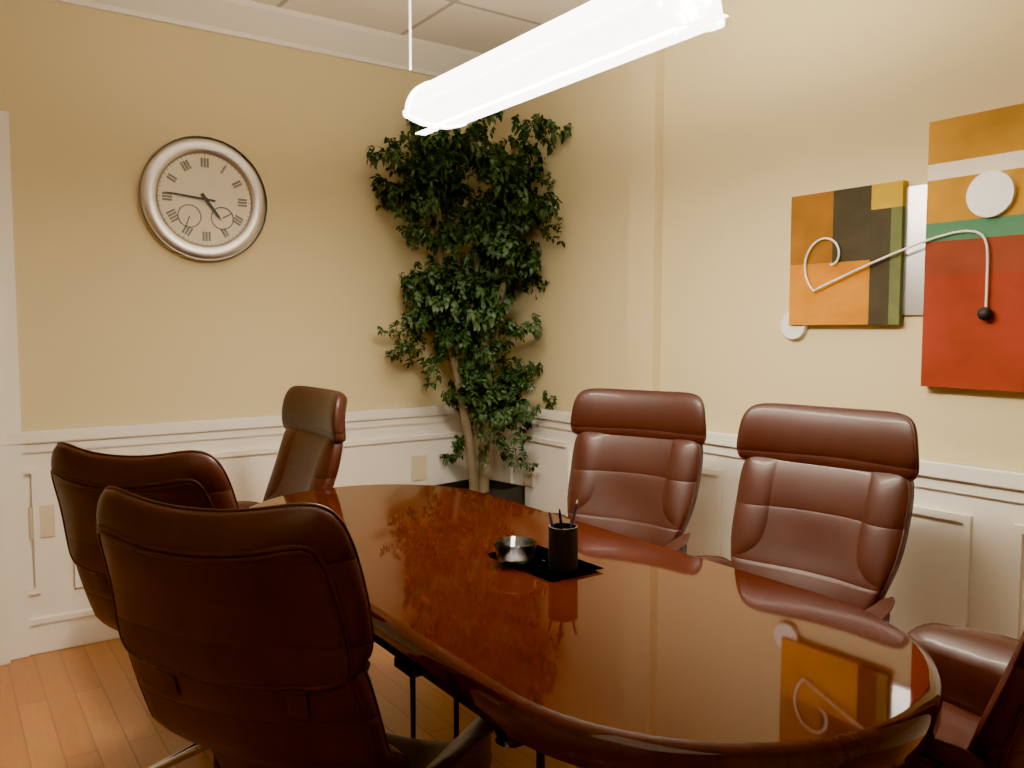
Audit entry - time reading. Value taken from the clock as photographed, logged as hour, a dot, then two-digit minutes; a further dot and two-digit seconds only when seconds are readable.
4.46
